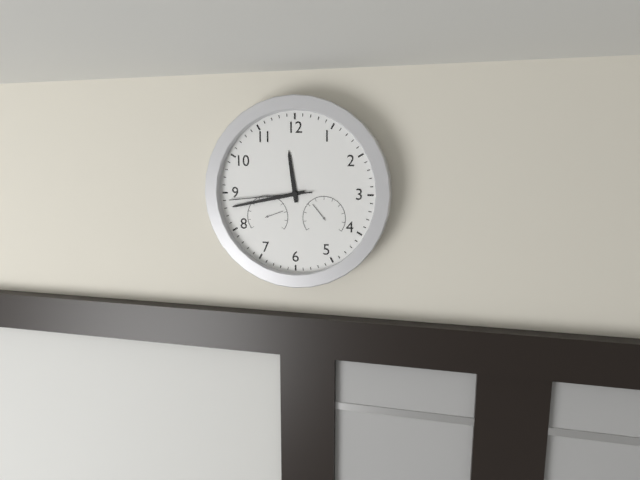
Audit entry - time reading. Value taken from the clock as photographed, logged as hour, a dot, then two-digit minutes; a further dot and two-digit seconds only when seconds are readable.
11.43.44
